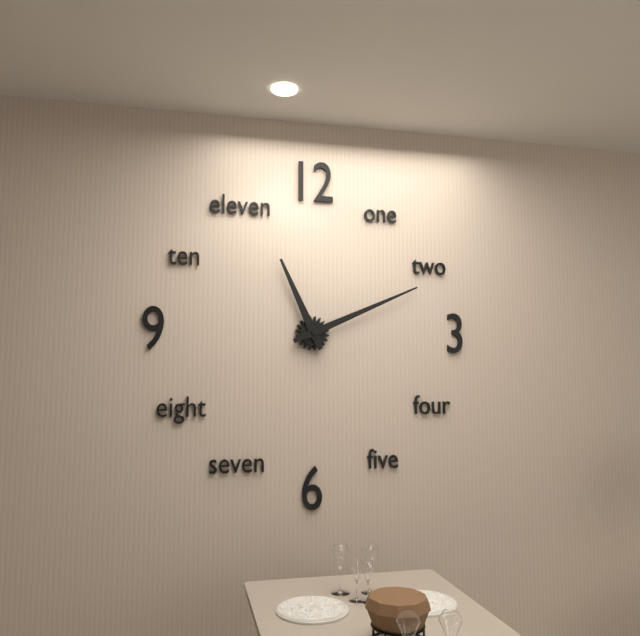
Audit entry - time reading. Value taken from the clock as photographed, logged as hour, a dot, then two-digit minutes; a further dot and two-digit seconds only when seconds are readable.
11.11
